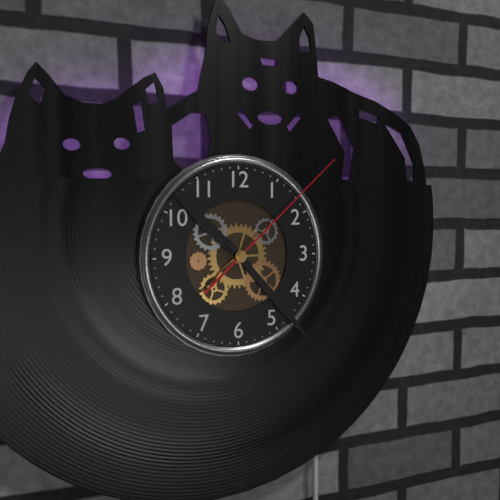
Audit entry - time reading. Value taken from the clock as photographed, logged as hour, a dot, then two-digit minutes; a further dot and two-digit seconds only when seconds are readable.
10.23.08
